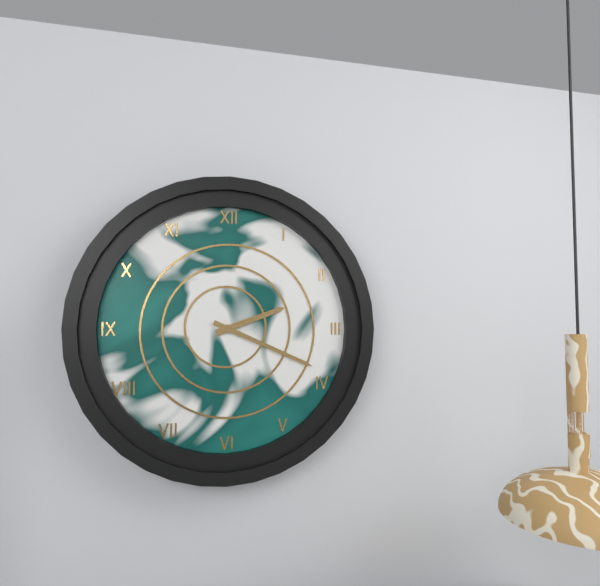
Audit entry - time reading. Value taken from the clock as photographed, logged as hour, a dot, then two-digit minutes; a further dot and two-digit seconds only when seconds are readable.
2.19
